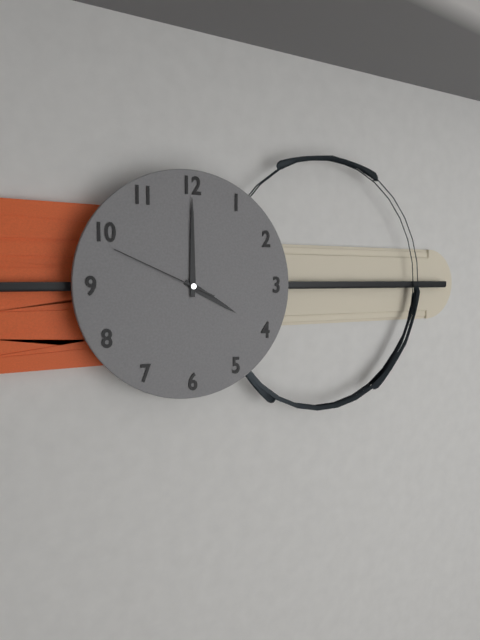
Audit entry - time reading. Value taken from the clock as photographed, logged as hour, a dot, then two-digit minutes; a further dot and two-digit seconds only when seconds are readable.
4.00.49
